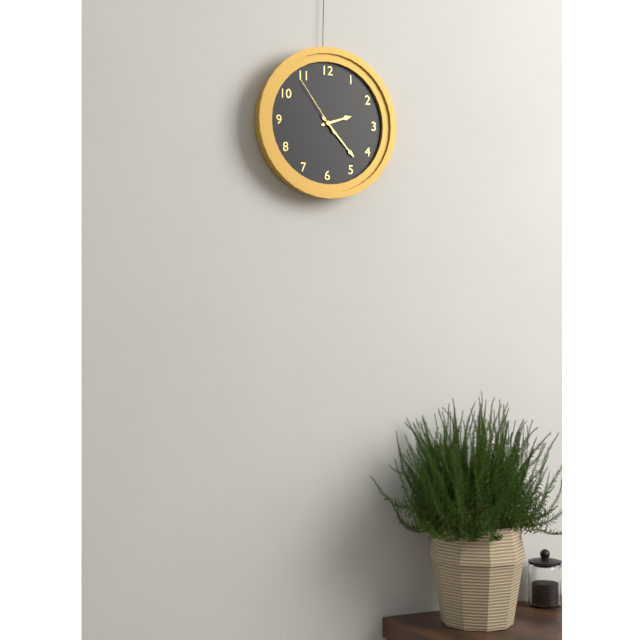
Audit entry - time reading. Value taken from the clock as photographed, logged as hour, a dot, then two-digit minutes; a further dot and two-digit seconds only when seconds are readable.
2.23.54
